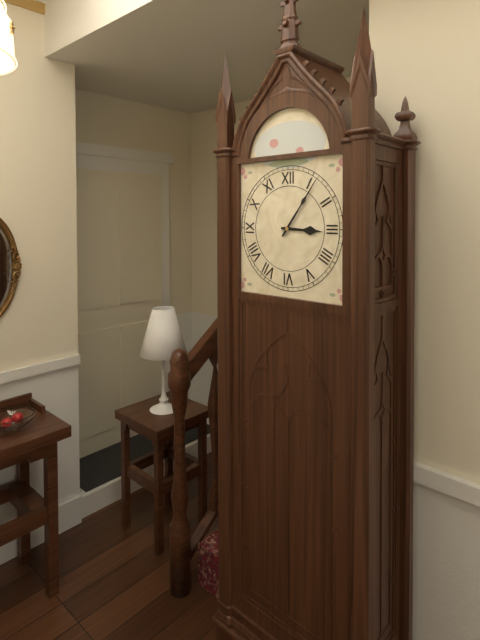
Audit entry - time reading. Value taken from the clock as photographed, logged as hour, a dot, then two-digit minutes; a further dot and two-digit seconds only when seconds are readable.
3.06
